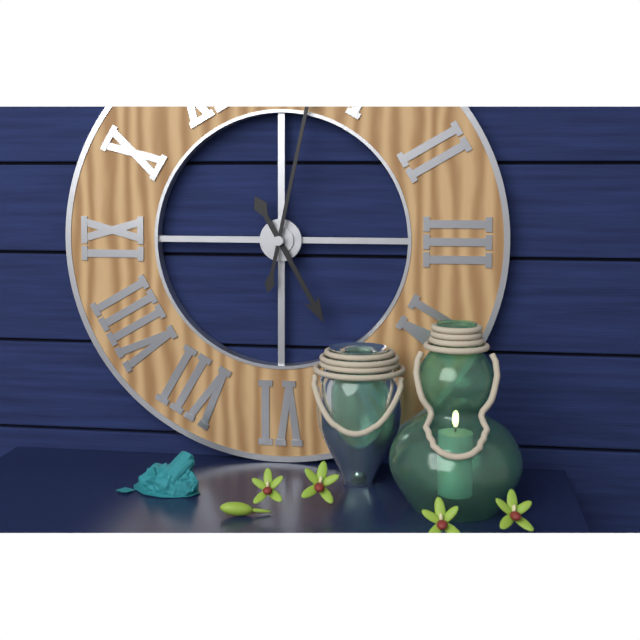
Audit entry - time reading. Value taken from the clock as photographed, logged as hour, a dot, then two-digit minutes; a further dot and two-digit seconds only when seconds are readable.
5.02
